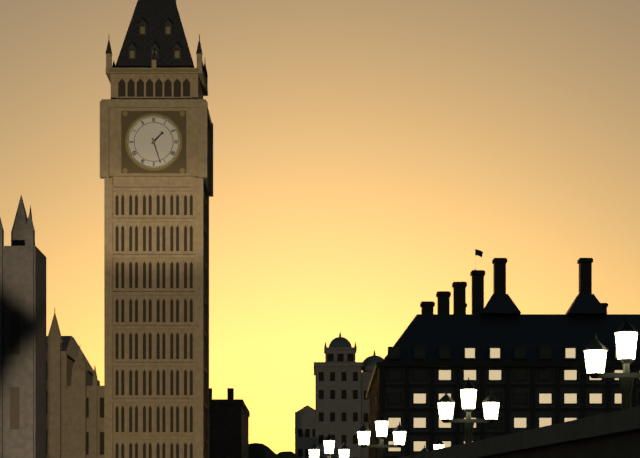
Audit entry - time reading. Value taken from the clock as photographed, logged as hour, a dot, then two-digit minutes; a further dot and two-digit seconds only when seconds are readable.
1.27
